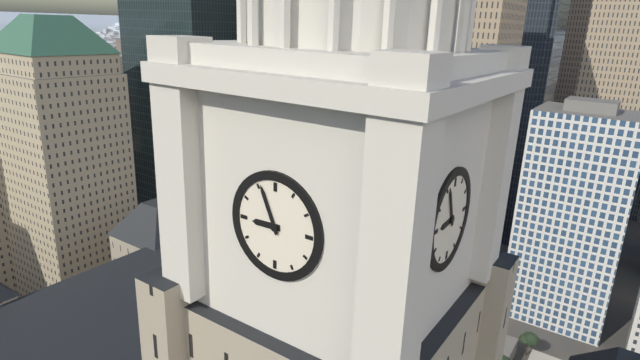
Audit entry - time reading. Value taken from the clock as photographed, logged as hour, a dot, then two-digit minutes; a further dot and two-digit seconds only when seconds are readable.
8.56
